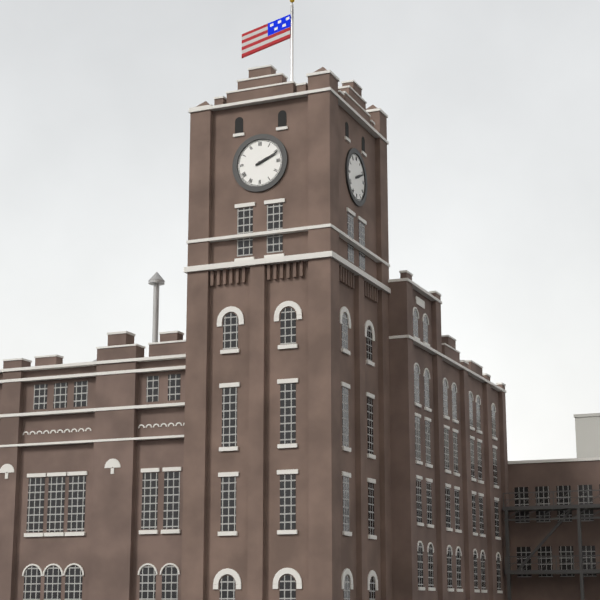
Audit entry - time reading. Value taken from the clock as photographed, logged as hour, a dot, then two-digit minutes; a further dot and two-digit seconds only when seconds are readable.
2.11
